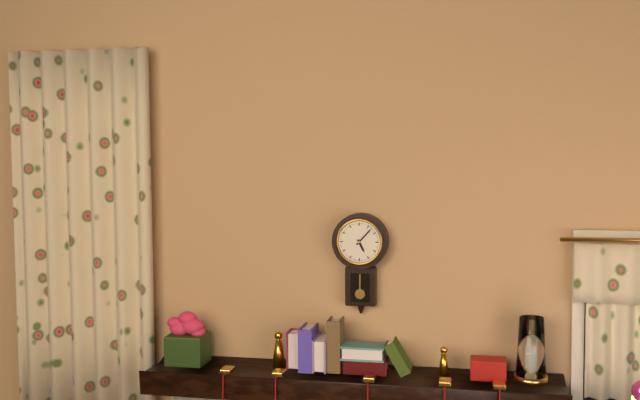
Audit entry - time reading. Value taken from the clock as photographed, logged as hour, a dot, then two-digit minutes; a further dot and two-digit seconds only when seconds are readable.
5.07
